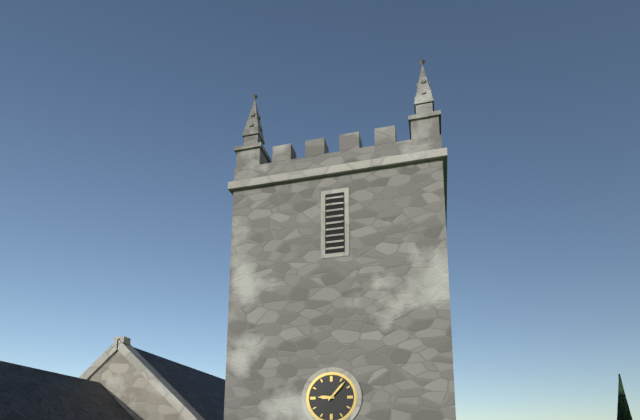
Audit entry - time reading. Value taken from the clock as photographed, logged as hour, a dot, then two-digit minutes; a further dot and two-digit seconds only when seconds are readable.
9.07
